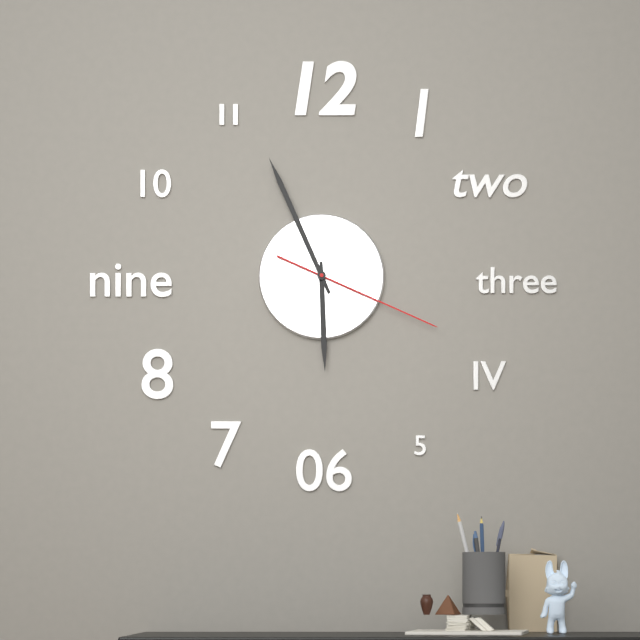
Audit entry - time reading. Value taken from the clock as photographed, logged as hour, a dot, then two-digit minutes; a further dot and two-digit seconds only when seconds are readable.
5.56.19
